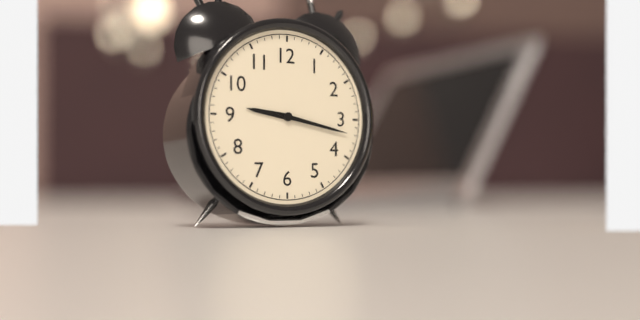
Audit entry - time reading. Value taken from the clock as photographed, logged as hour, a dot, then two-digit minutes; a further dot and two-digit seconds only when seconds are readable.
9.17
